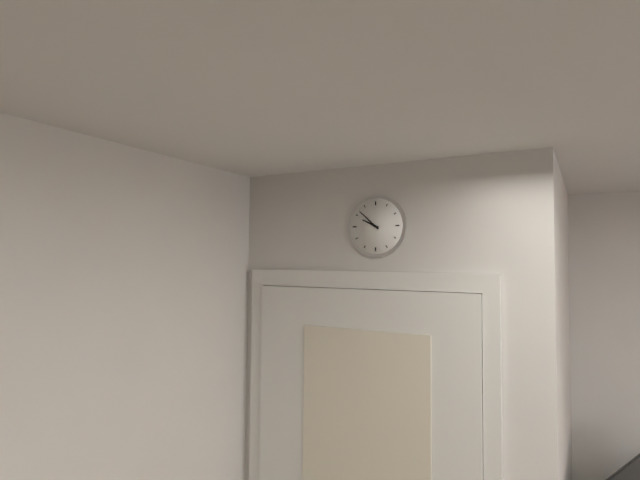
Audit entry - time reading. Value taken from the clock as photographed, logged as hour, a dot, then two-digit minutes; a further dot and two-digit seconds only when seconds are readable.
9.52
